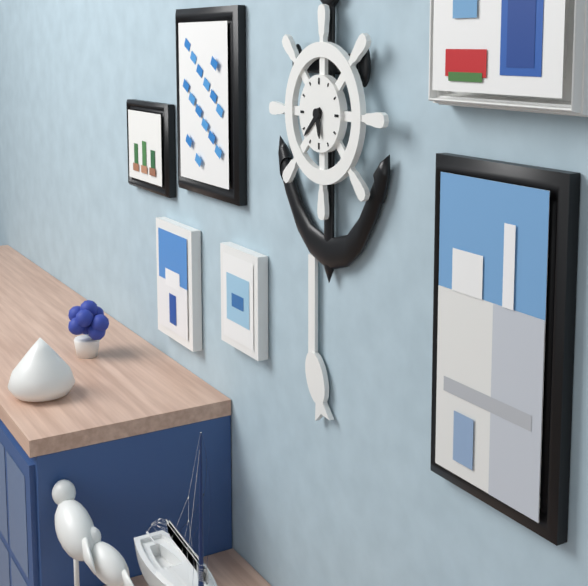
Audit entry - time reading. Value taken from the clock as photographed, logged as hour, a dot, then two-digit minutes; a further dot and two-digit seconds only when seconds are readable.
5.38
